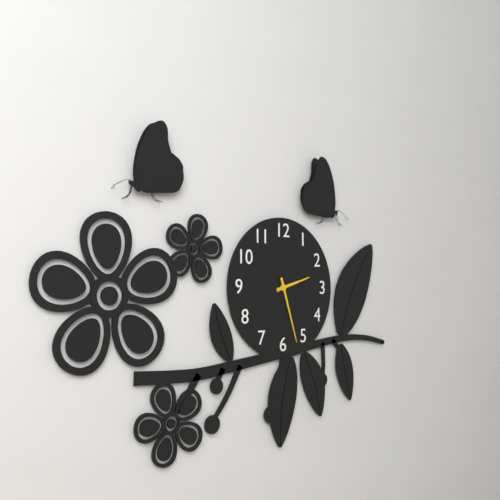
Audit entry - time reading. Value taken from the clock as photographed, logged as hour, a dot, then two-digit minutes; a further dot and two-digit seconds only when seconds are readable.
2.27
